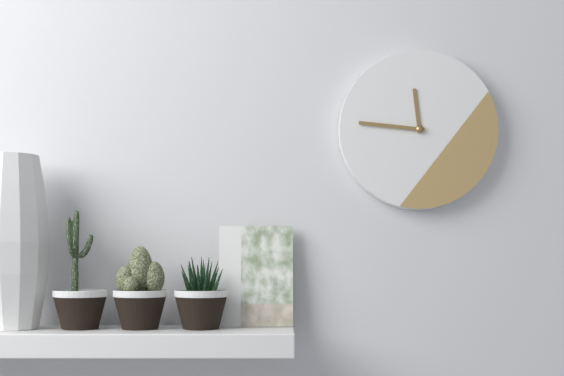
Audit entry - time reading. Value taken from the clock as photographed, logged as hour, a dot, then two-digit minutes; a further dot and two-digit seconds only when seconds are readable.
11.46
